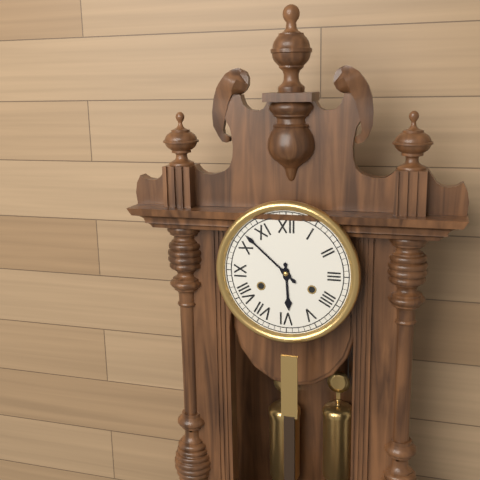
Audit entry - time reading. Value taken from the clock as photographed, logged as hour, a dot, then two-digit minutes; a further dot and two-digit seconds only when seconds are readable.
5.52
